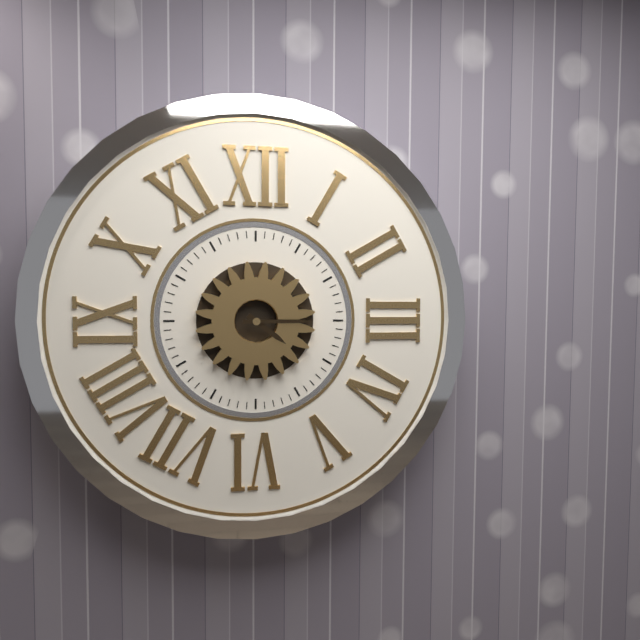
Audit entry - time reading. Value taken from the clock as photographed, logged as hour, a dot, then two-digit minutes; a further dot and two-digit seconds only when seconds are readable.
4.15
